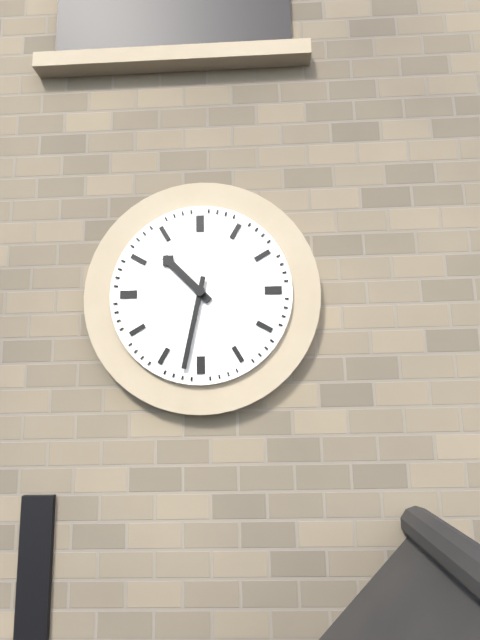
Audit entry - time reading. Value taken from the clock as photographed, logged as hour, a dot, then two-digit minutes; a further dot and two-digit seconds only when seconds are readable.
10.32
